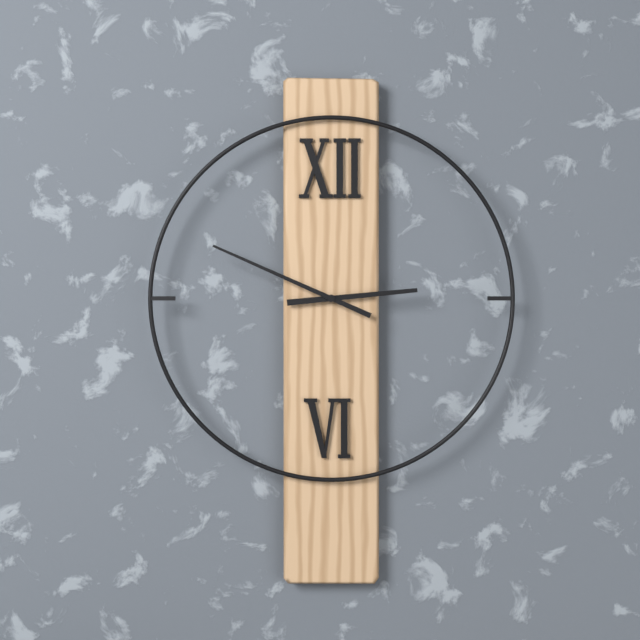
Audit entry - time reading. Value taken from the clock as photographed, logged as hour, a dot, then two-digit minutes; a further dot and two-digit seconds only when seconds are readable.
2.49
